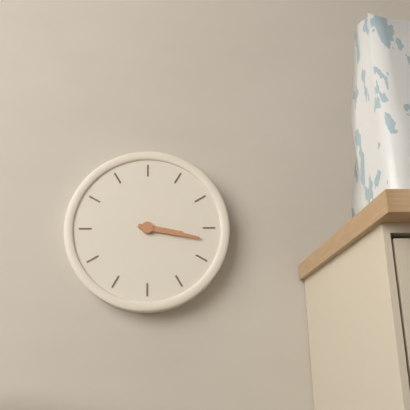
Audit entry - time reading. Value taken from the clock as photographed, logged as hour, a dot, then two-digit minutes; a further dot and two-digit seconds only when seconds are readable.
3.17
